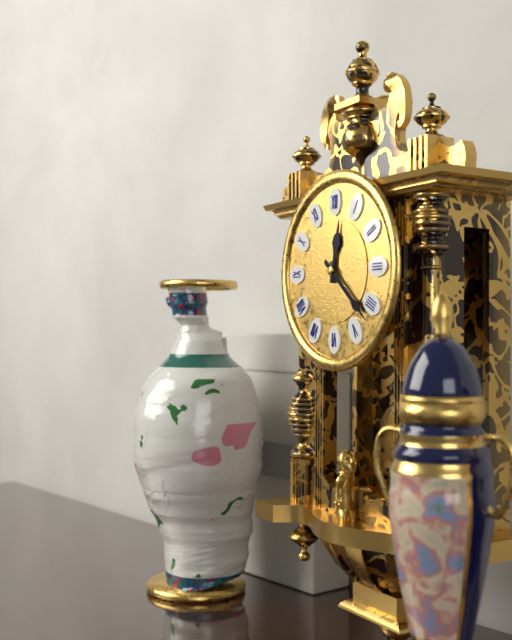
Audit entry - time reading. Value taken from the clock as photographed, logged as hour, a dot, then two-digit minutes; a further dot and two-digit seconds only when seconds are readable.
12.22
